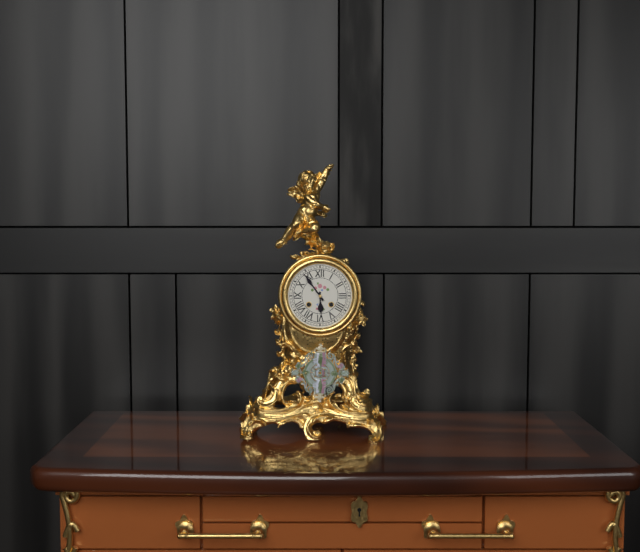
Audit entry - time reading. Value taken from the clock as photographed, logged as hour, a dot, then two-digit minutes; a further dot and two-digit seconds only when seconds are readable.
5.54
